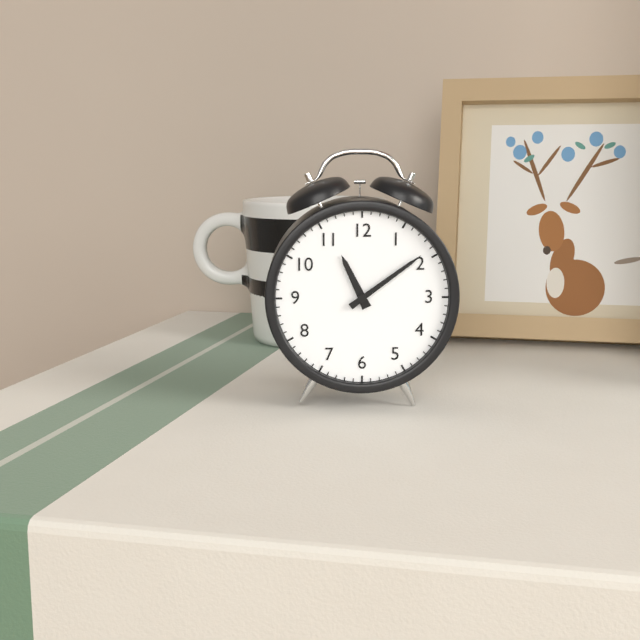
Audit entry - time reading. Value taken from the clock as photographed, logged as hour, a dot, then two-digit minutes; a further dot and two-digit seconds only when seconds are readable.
11.09
